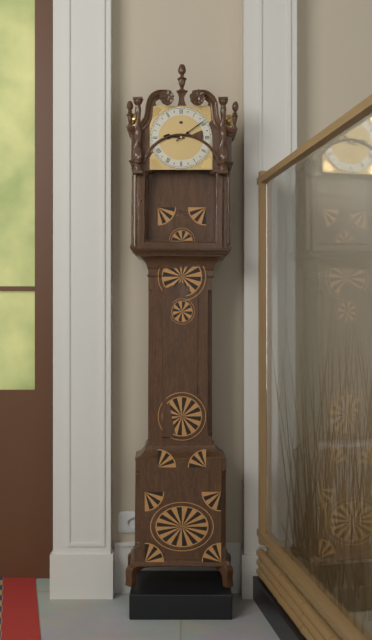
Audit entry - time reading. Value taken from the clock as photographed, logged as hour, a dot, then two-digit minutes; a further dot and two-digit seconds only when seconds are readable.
9.09
